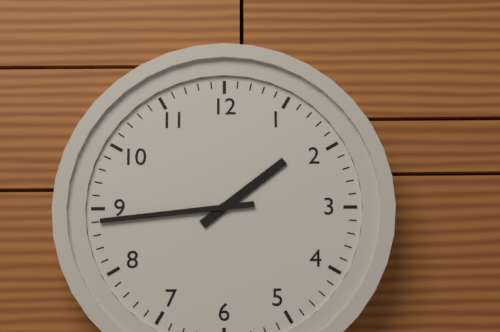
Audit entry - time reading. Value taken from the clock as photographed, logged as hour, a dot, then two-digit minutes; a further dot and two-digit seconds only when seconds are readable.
1.44
